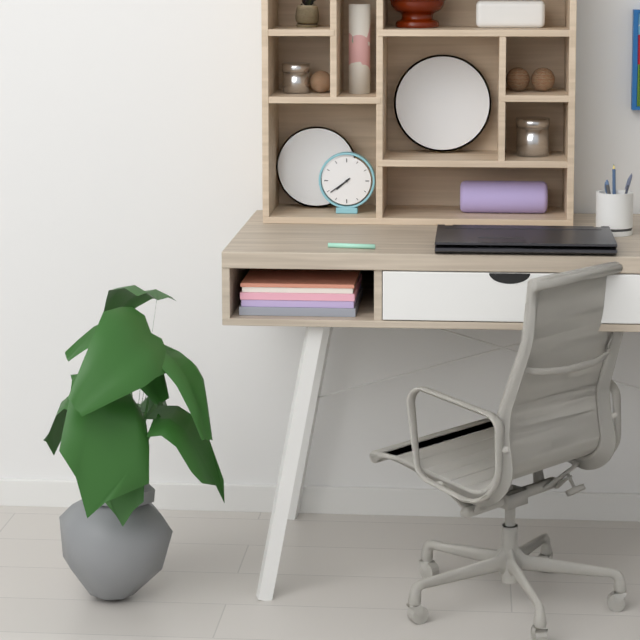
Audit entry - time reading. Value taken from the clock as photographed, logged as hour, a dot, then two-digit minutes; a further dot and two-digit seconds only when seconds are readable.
7.39
